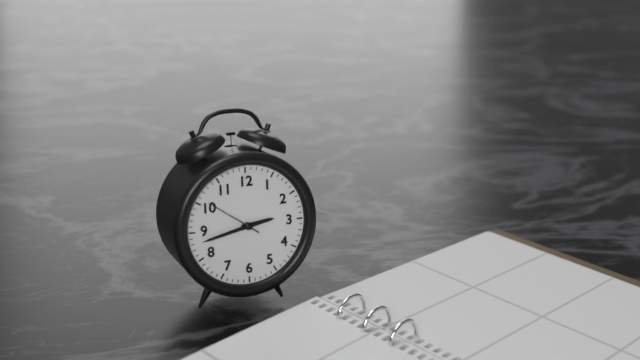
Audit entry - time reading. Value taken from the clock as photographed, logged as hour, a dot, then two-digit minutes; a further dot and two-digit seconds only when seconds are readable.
2.43
